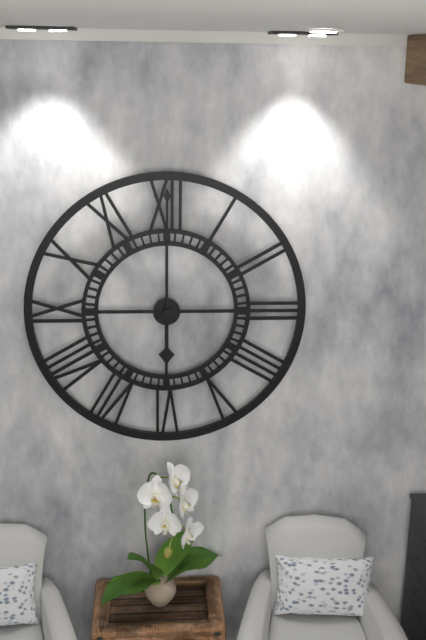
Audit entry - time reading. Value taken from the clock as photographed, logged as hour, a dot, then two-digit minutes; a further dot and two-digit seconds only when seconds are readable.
6.00
